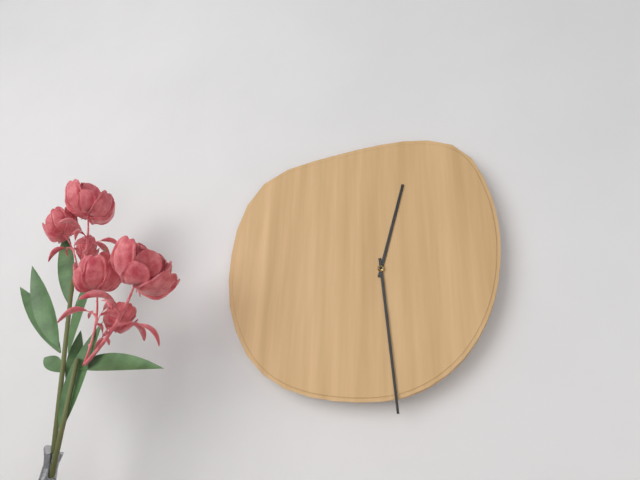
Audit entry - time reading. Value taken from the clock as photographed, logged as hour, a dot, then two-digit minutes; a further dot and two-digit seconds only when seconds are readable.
12.29
